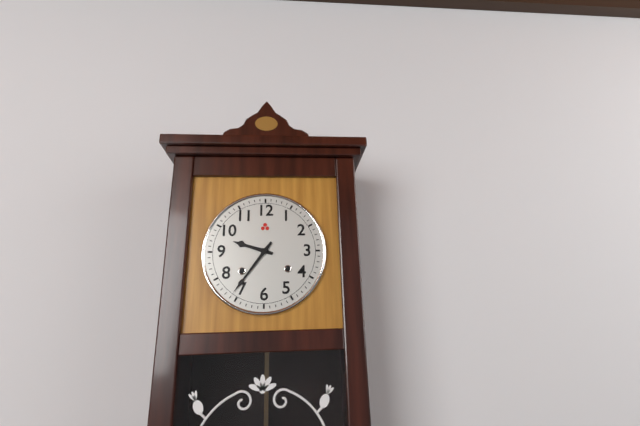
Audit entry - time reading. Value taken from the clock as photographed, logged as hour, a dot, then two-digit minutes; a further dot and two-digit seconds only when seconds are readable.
9.36
